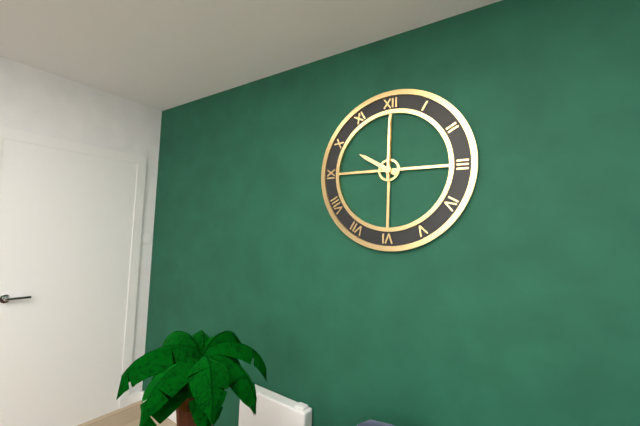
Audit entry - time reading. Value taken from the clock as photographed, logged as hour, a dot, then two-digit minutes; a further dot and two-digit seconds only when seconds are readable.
10.00
